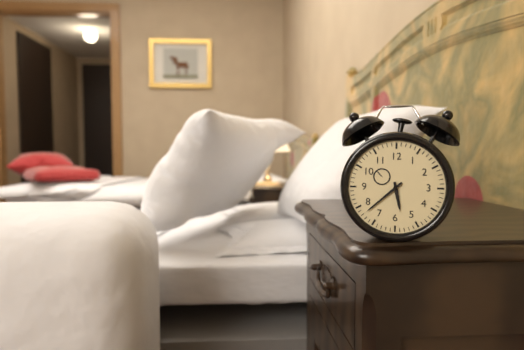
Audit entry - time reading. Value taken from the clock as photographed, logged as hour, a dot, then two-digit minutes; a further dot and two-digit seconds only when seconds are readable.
5.38
